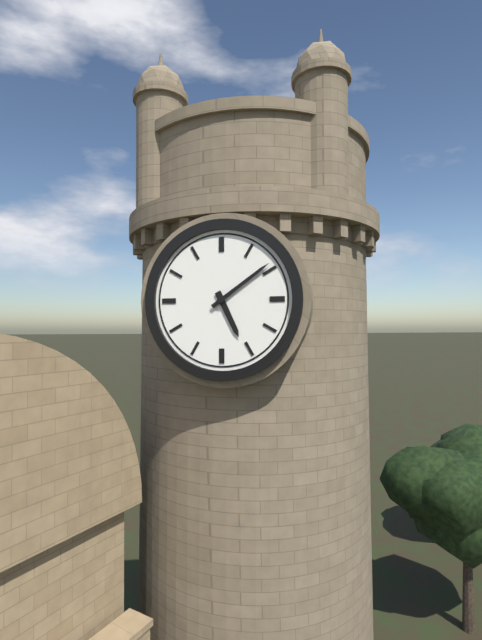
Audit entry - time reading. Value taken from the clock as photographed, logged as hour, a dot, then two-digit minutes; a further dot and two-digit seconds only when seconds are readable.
5.09
